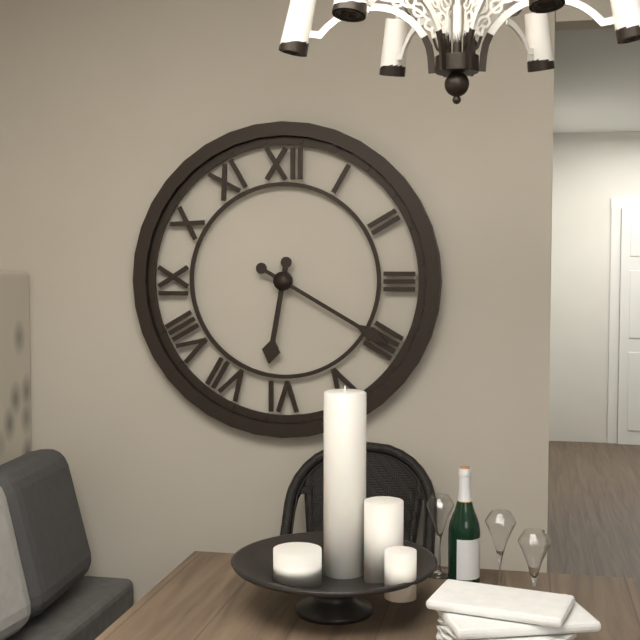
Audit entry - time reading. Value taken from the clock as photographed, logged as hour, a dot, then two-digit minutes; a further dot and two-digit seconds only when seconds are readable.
6.20
